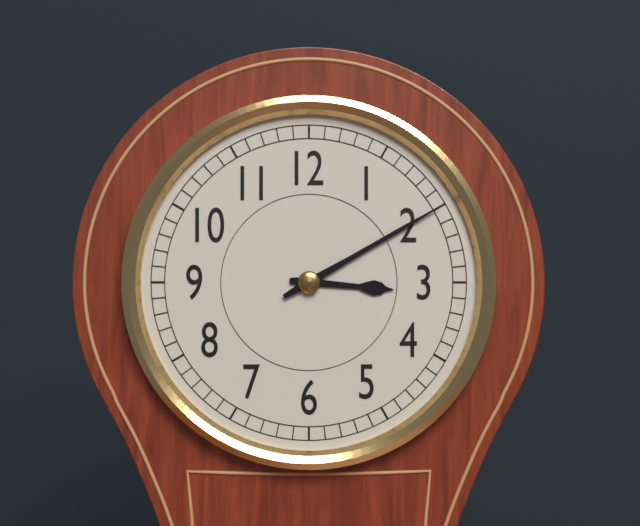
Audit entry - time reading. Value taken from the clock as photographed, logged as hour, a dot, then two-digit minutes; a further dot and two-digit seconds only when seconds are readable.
3.10
